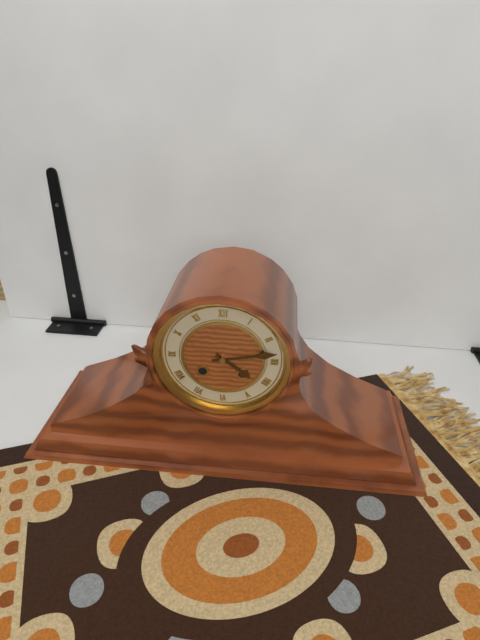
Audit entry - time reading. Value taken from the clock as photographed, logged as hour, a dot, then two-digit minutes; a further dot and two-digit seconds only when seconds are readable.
4.13
